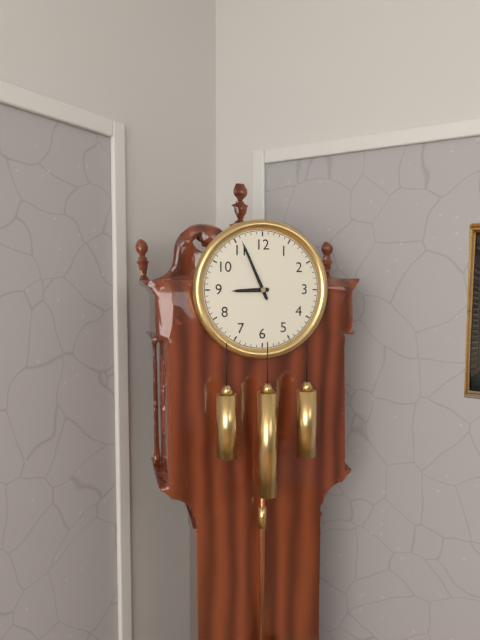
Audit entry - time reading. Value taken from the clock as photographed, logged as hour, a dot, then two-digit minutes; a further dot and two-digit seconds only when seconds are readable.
8.56
